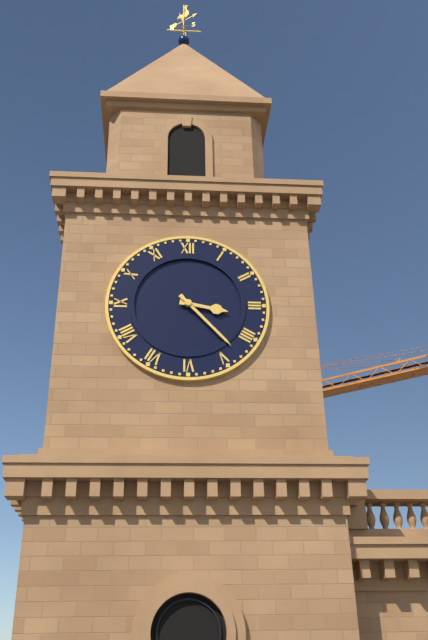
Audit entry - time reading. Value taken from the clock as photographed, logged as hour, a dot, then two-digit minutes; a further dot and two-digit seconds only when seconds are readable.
3.23
